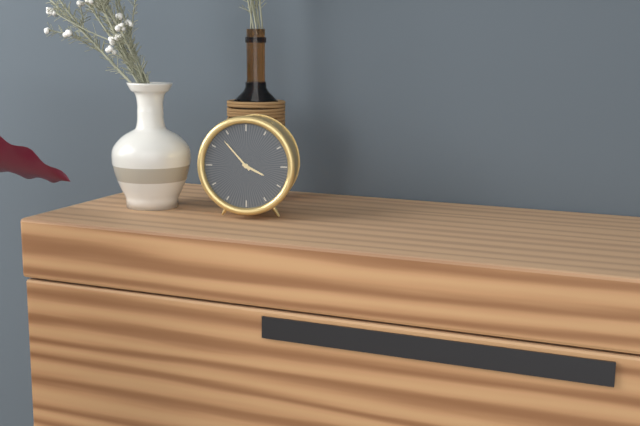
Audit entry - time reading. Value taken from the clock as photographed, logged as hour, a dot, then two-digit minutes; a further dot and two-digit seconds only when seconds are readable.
3.53
